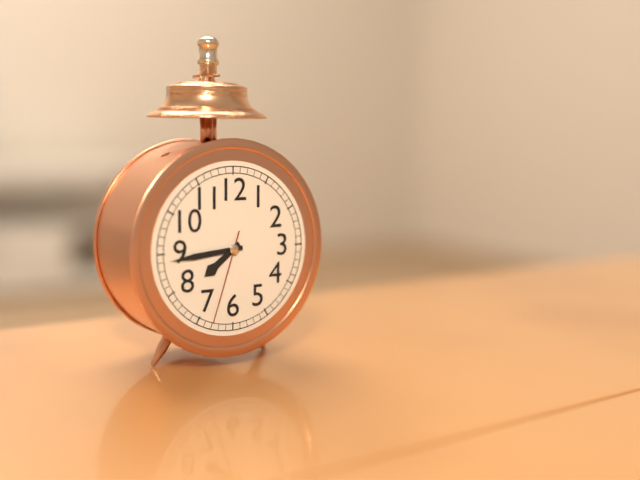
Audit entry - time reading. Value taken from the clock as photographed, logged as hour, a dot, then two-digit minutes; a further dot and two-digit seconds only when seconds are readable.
7.44.33
